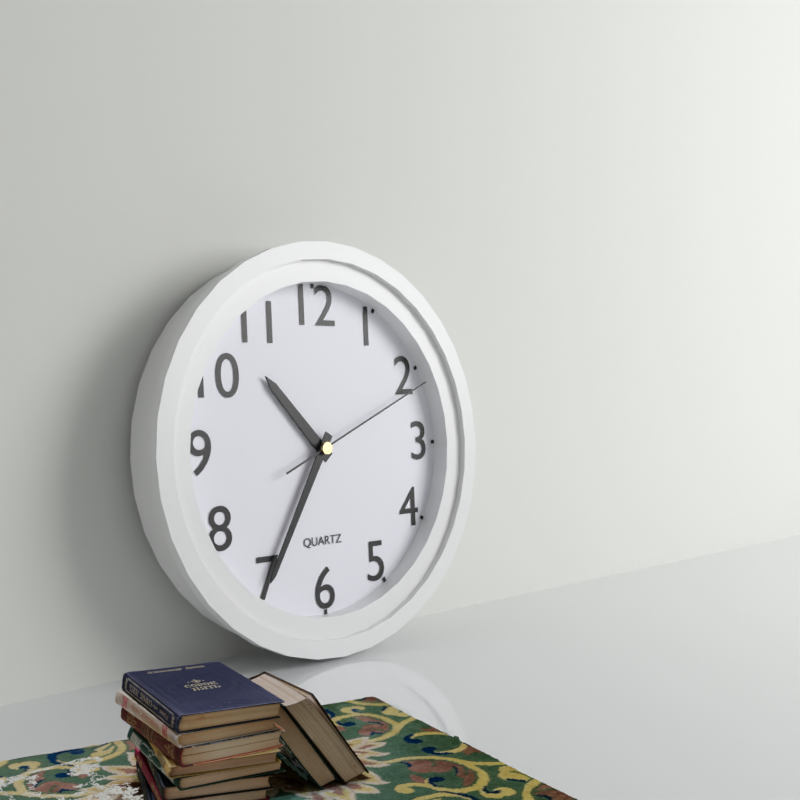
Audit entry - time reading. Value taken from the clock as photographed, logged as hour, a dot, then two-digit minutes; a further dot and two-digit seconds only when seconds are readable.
10.35.11
